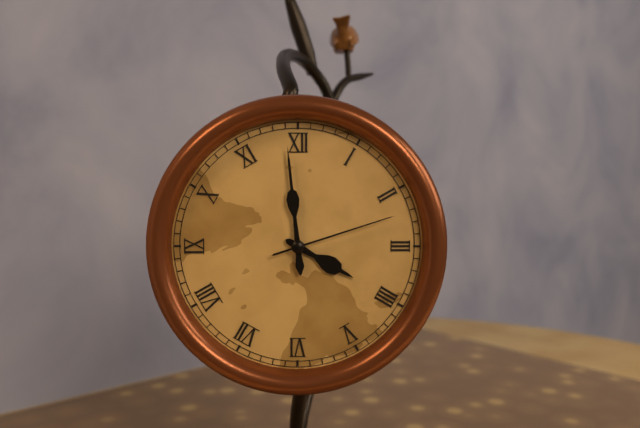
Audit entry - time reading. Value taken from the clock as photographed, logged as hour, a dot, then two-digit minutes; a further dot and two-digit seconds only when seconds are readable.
3.59.12
